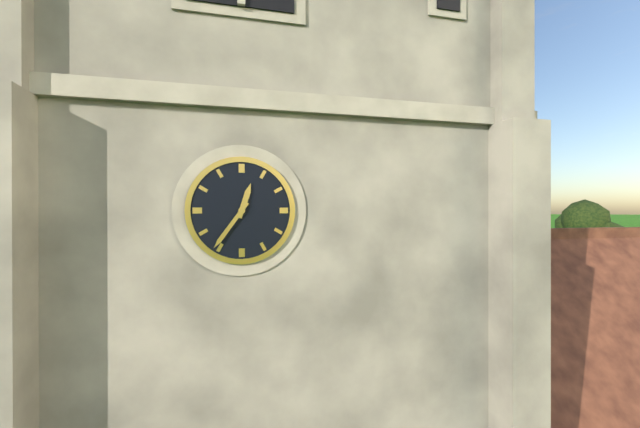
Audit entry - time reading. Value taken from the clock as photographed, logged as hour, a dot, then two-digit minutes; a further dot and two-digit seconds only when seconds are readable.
12.36
